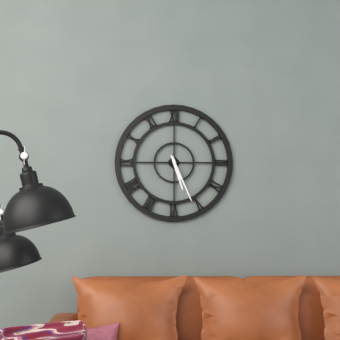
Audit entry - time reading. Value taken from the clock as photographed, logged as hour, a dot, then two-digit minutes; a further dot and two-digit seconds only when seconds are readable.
5.26
